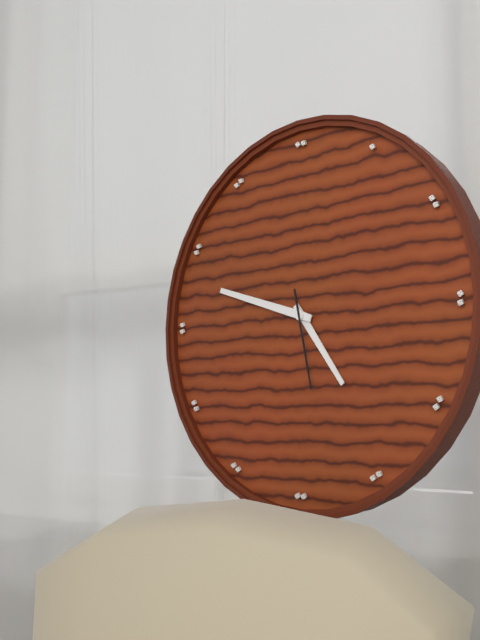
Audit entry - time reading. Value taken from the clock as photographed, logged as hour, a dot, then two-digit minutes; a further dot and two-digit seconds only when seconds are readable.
4.48.28
